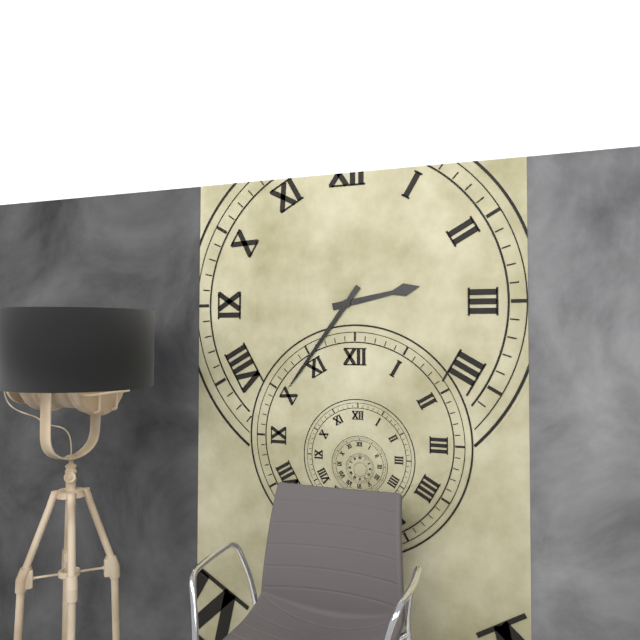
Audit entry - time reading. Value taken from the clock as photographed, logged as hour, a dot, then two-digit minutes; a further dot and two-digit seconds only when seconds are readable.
2.36
